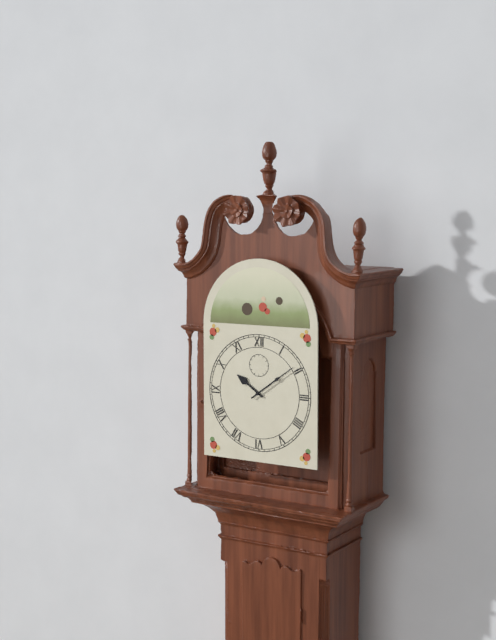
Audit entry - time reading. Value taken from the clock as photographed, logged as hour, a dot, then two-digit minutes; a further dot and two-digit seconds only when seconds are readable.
10.09
